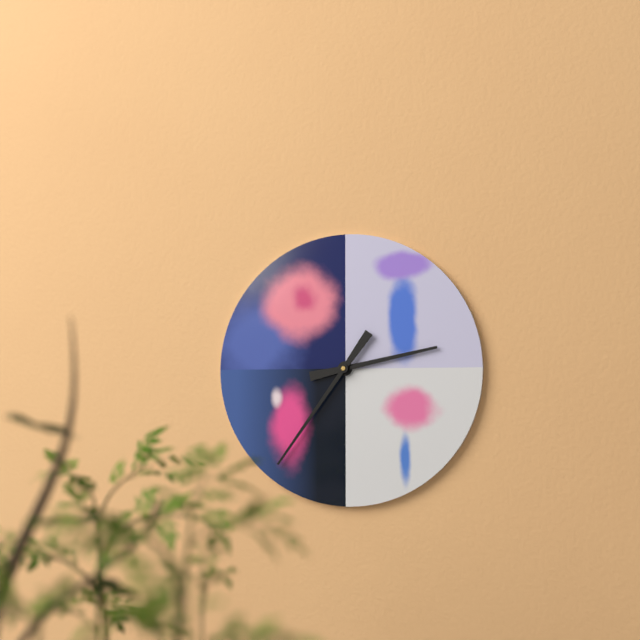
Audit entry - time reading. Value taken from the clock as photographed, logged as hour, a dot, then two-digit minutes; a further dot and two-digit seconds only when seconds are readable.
2.36
